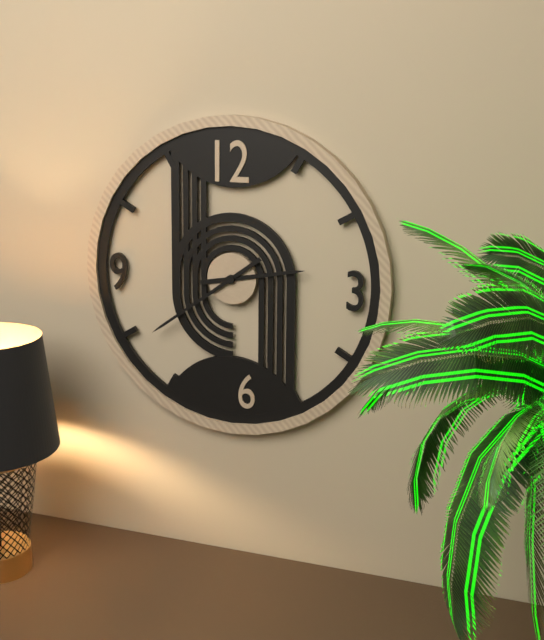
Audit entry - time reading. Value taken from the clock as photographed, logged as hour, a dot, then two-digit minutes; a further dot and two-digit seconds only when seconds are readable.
2.39
